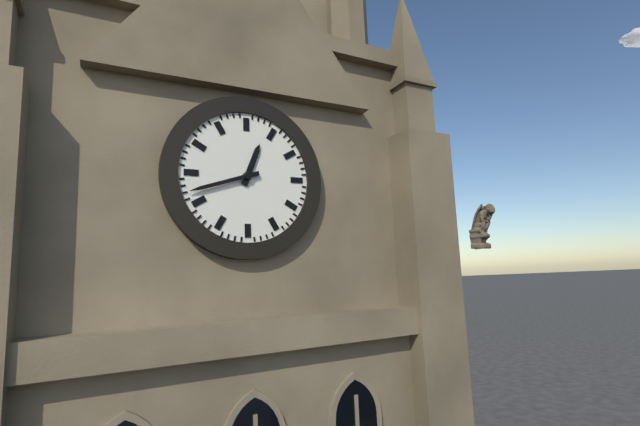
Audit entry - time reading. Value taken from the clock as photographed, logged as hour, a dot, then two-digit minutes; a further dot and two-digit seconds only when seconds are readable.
12.42
